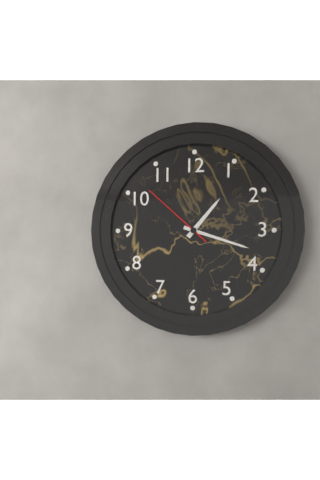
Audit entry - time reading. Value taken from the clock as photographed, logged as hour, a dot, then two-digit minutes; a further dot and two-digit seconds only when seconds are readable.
1.18.52
